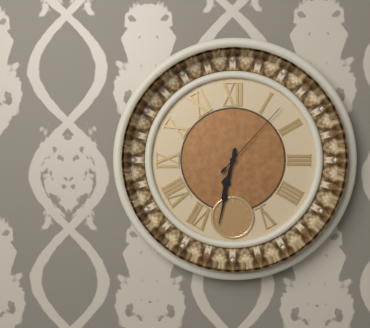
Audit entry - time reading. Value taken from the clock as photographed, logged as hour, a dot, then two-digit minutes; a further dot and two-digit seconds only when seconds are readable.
6.32.07
